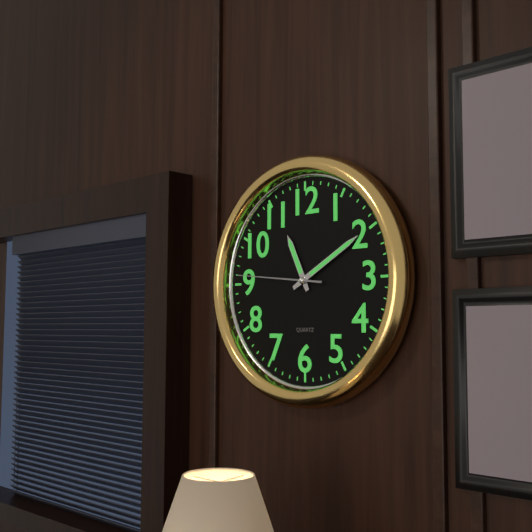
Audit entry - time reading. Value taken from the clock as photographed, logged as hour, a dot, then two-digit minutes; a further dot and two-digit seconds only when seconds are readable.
11.10.46
